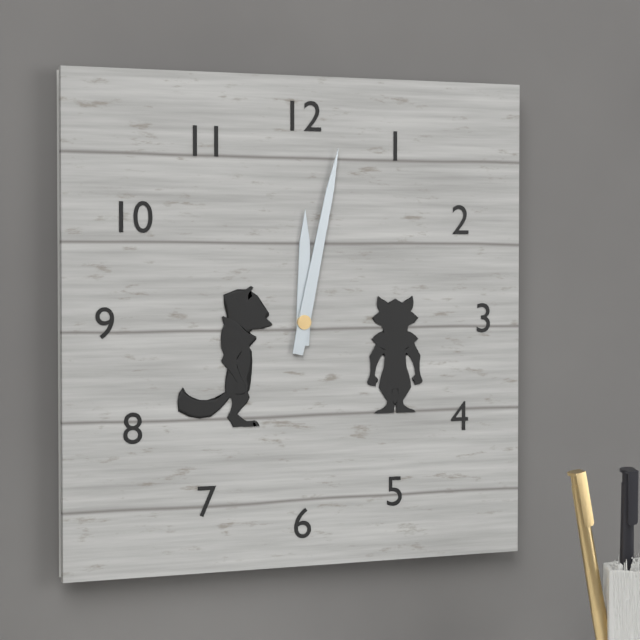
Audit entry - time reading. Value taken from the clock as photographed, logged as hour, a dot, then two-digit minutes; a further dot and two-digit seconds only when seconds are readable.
12.02
